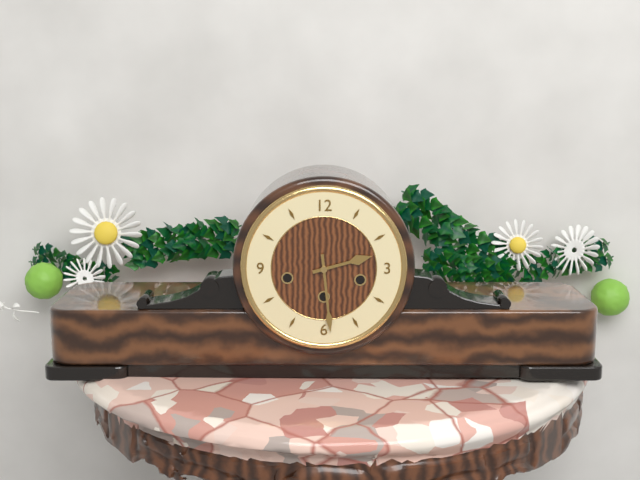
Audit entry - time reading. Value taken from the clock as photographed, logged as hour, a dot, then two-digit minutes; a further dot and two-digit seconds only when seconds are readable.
2.29
